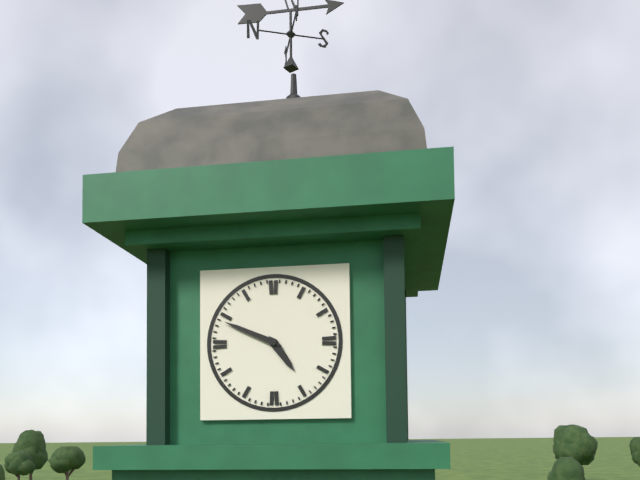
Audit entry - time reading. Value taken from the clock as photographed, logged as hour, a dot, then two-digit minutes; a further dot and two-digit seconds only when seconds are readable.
4.49
